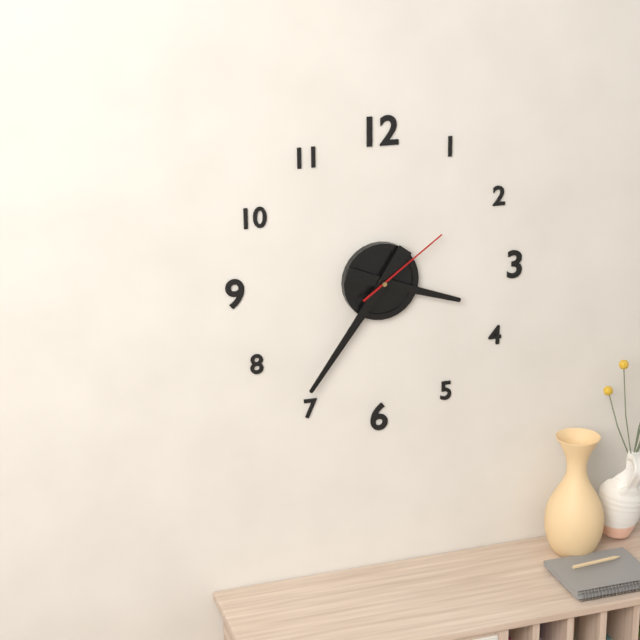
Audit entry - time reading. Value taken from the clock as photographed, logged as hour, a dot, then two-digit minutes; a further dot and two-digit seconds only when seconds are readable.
3.36.09
